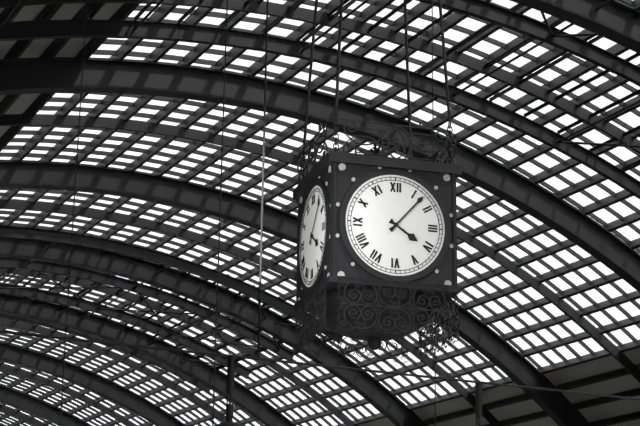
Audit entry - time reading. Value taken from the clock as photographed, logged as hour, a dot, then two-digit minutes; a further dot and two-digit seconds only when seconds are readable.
4.07
